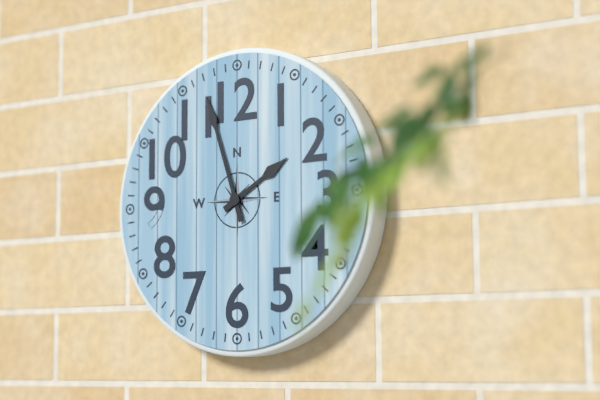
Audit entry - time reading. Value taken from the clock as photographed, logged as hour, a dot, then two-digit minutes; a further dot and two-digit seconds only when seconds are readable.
1.57
